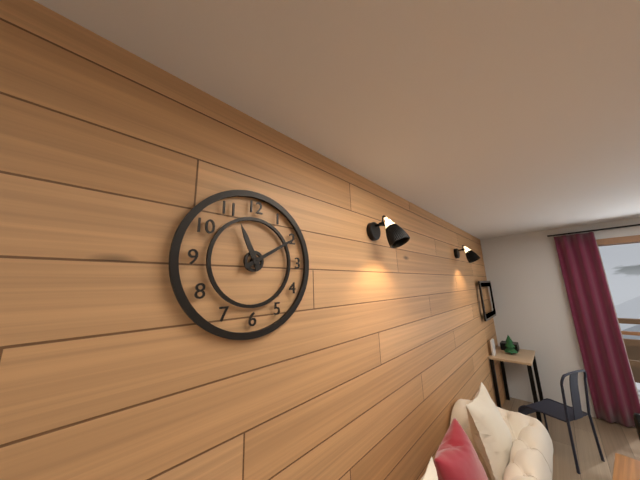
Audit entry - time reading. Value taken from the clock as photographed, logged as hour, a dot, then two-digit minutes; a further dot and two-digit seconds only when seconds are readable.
11.10
